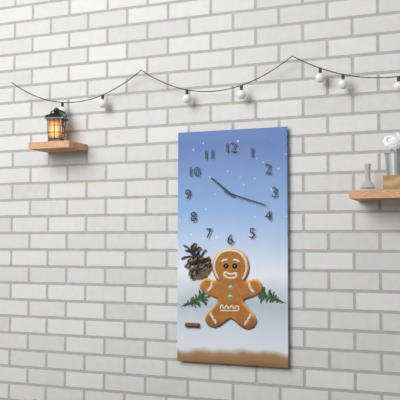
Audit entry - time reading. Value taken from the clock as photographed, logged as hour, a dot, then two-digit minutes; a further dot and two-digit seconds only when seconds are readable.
10.18
